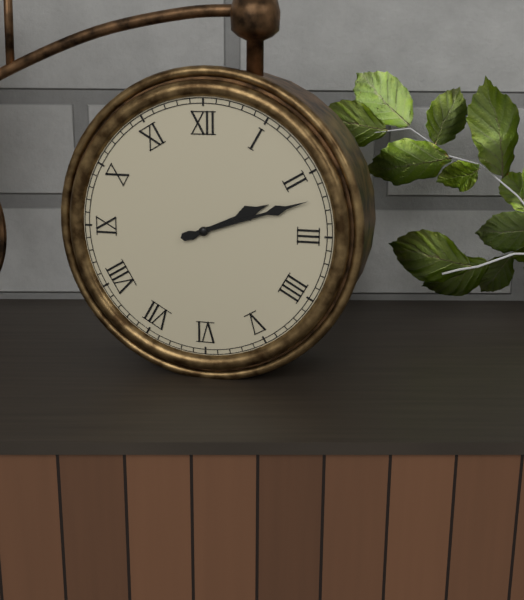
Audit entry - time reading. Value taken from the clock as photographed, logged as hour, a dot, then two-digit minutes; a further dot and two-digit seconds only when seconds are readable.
2.12
